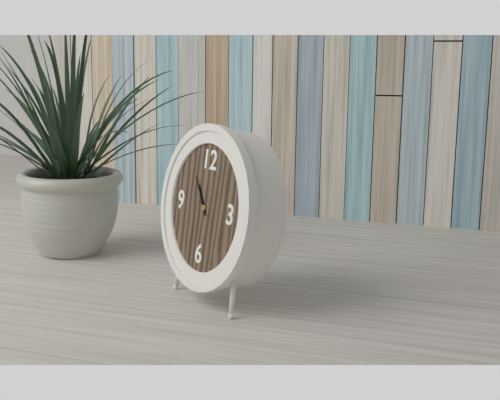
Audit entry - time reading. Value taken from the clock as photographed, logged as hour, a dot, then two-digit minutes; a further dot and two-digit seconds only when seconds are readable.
10.54
